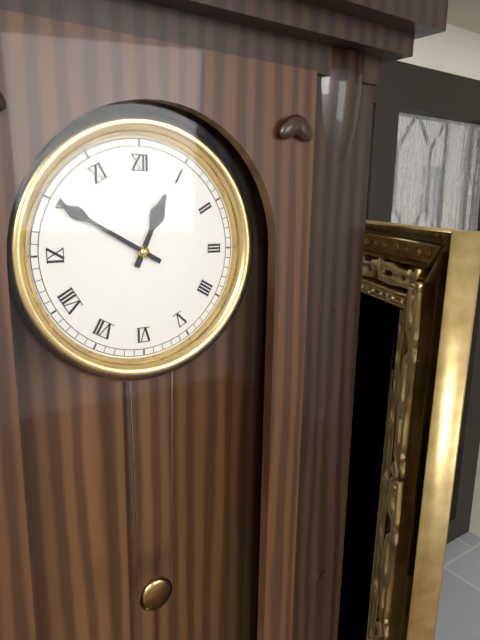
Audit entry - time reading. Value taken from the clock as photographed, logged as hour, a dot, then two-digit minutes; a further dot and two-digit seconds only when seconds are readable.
12.50
